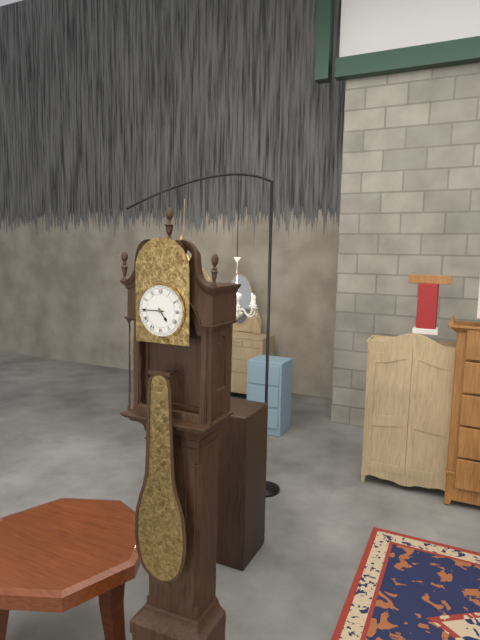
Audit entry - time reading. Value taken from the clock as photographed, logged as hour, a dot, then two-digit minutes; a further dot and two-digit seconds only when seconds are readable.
4.45
